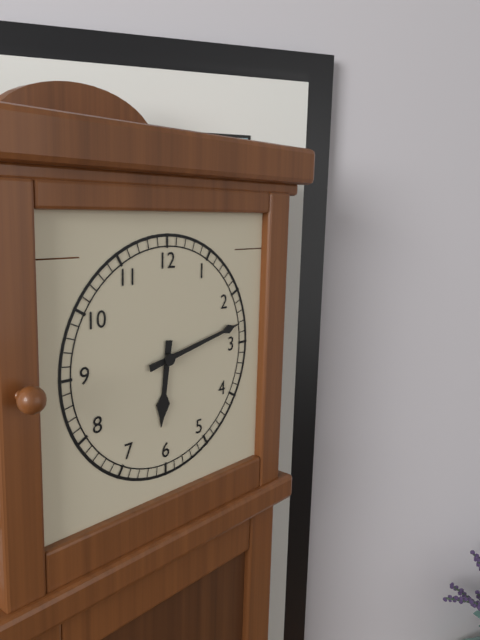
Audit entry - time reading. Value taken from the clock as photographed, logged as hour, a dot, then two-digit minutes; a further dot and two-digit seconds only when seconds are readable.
6.13
